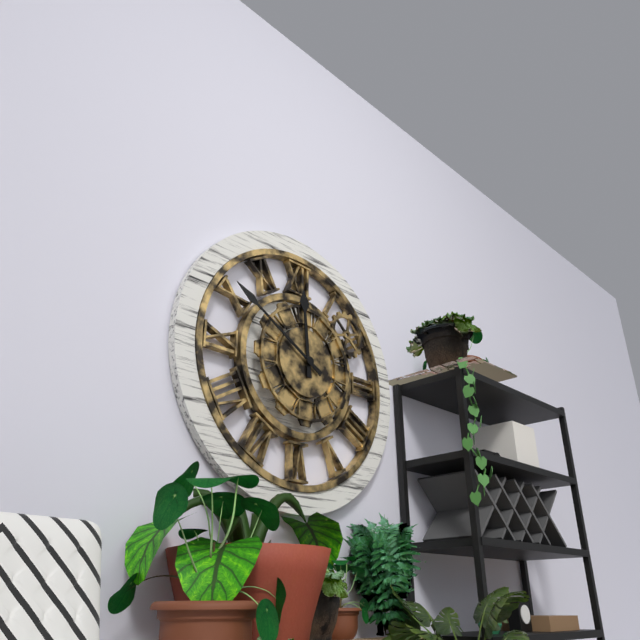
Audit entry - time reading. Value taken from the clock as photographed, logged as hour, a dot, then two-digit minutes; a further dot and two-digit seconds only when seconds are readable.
11.50
